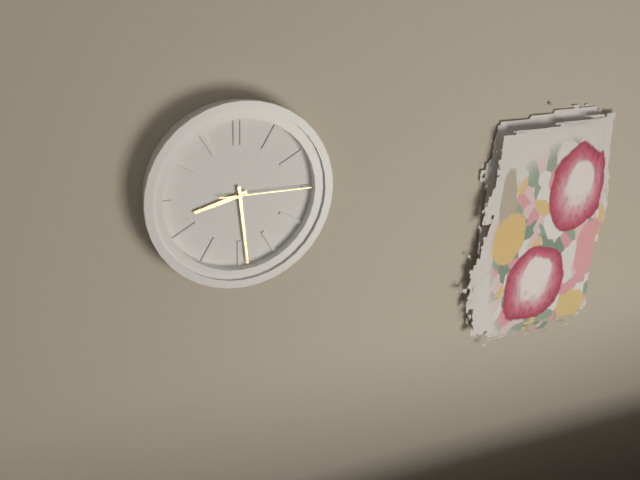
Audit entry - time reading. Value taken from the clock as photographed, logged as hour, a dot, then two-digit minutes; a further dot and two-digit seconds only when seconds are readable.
8.29.15
